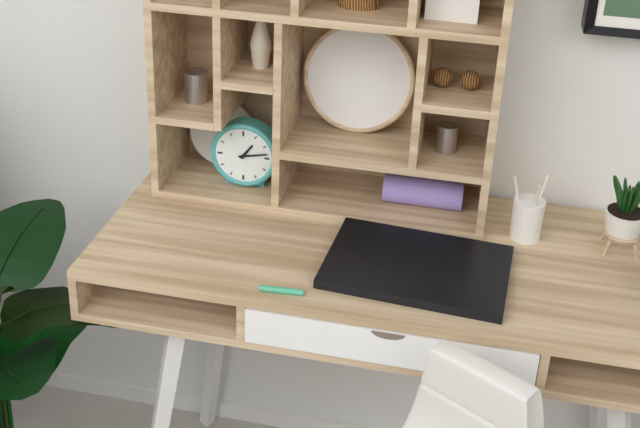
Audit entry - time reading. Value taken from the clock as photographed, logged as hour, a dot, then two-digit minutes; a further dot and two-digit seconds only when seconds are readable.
1.13
